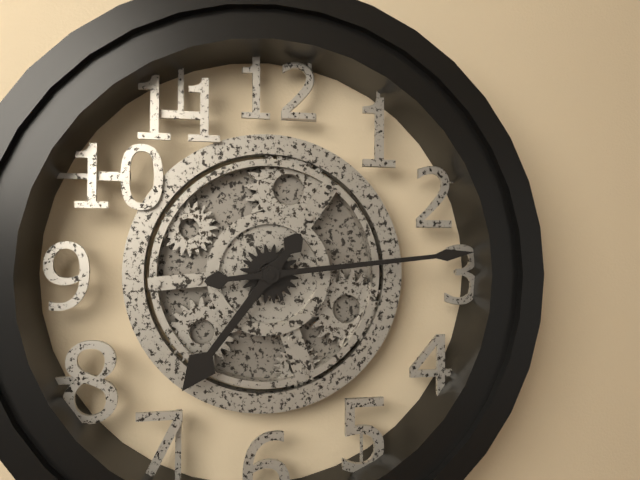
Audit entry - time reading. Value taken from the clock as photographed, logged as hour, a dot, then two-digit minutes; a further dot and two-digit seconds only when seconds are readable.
7.14
